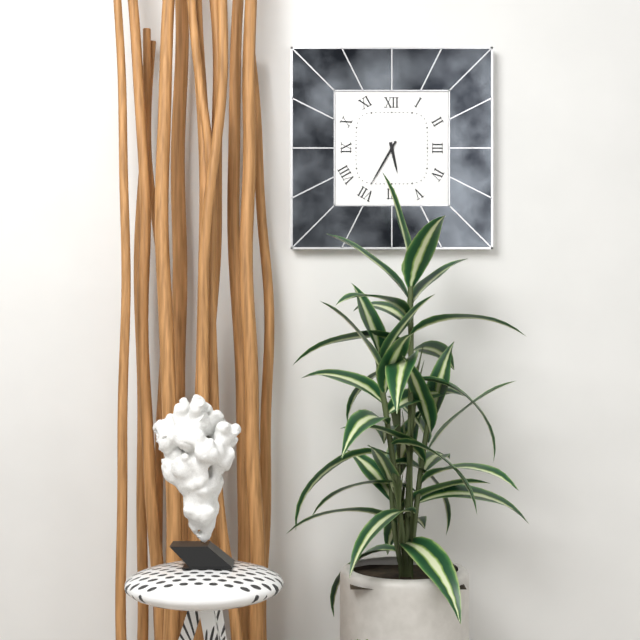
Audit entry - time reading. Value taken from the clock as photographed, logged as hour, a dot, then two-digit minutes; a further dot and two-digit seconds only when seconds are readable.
5.35
